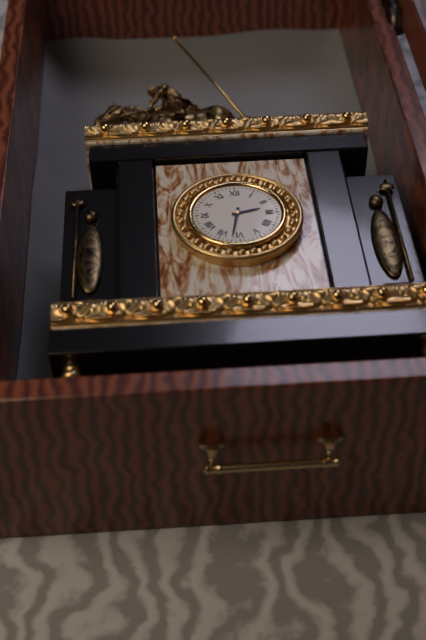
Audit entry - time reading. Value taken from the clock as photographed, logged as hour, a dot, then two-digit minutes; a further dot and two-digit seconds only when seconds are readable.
2.32
